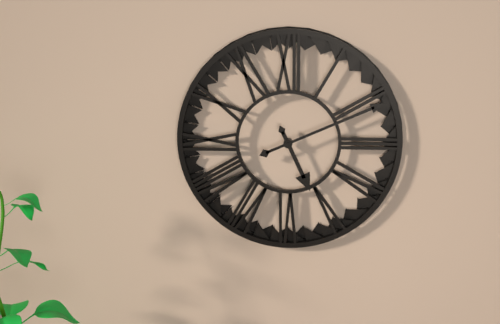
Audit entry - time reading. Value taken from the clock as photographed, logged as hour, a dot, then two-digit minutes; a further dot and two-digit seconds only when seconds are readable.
5.11
